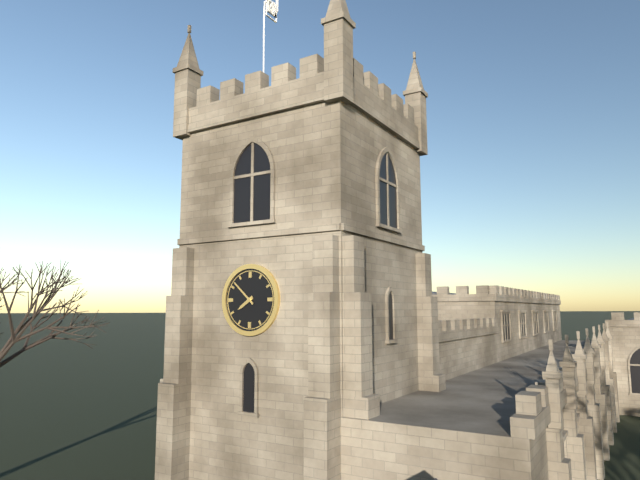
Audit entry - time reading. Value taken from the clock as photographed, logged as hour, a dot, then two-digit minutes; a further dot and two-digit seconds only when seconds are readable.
7.52
